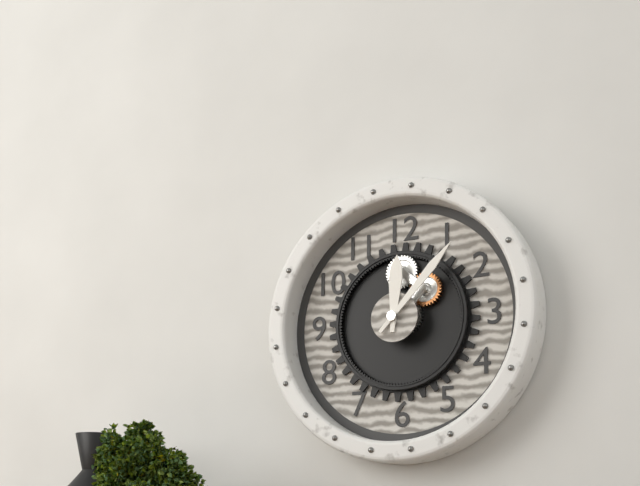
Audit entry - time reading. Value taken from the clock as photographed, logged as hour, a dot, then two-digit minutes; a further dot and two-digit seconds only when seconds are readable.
12.07
